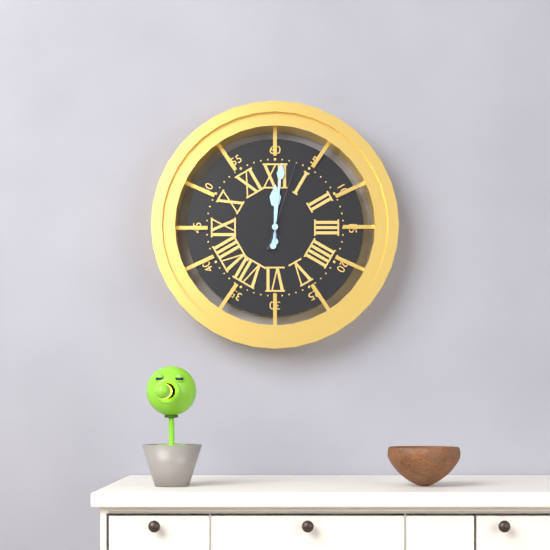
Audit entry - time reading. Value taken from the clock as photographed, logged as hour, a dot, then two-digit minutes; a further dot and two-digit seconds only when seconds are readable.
12.01.03
